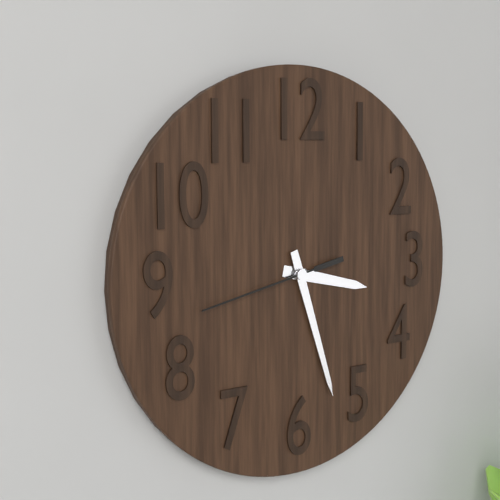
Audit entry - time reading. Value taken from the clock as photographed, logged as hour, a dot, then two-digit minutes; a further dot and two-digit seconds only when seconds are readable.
3.27.43
